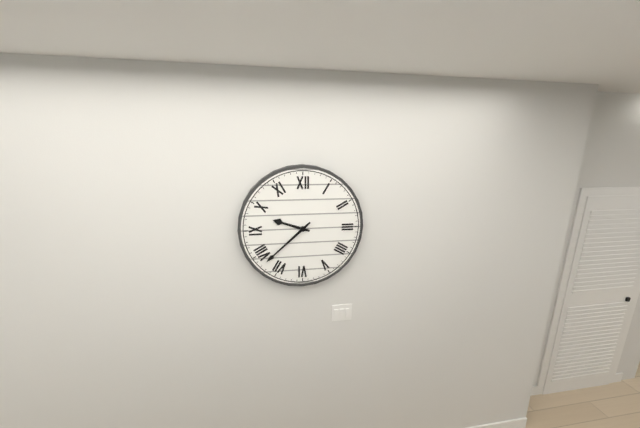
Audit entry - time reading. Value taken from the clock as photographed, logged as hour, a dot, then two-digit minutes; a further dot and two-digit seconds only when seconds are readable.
9.38
